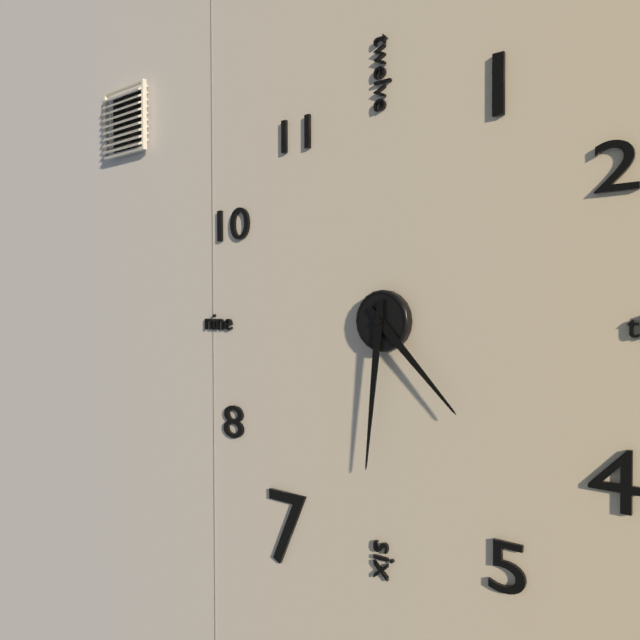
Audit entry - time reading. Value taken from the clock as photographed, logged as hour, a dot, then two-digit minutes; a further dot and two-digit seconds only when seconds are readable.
4.31
